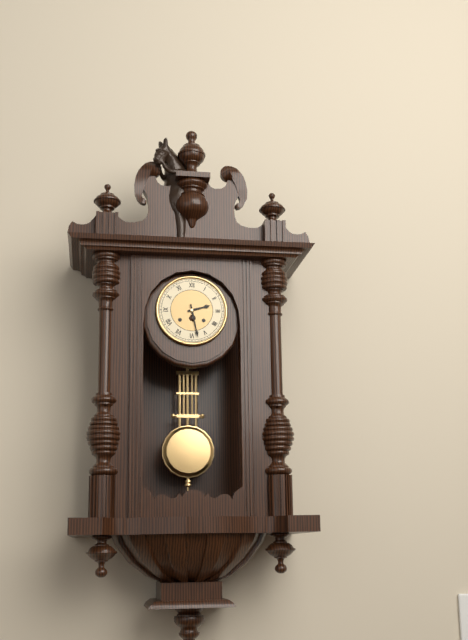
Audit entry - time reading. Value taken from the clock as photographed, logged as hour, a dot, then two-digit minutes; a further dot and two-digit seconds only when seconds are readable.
2.28
